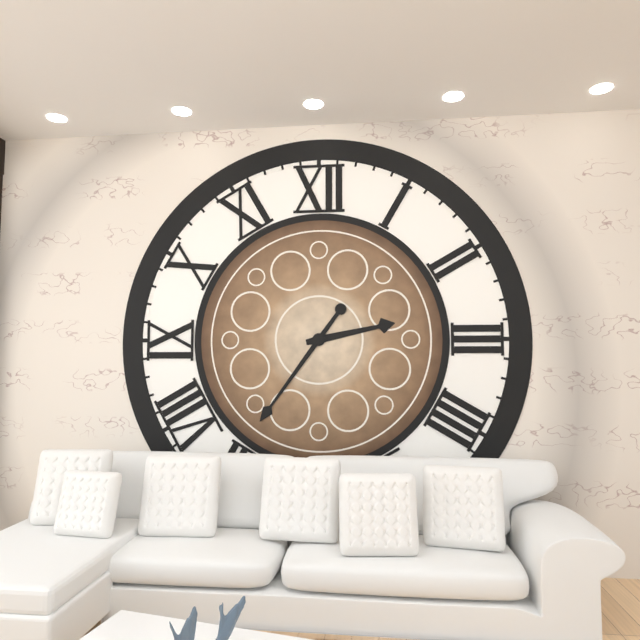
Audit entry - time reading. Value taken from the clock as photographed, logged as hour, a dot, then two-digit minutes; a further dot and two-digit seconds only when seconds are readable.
2.36
